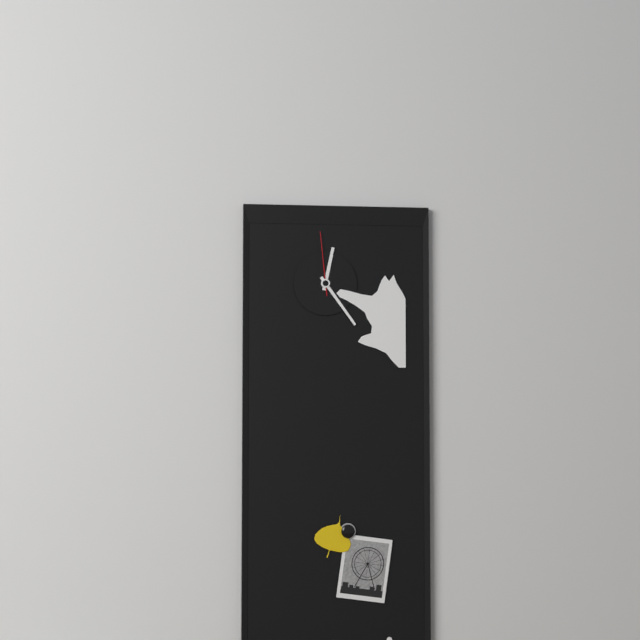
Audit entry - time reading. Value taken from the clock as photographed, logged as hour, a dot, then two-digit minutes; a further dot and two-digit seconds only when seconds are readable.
12.24.59
